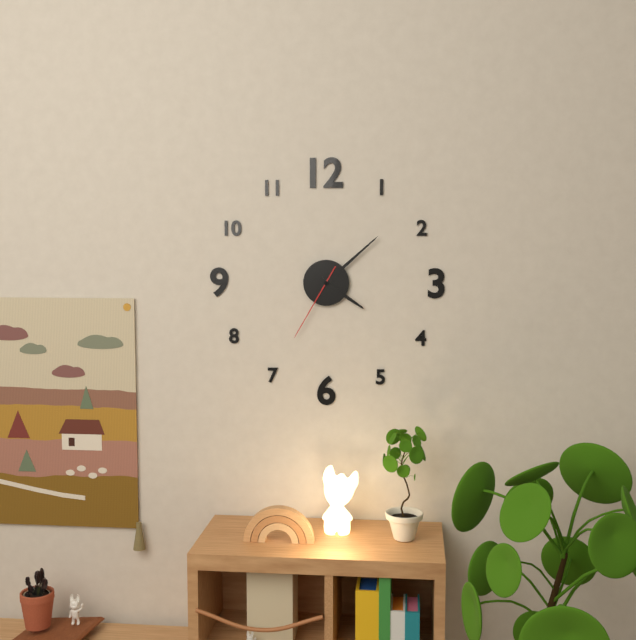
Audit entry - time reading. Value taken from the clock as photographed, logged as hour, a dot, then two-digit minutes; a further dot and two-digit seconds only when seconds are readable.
4.08.35
